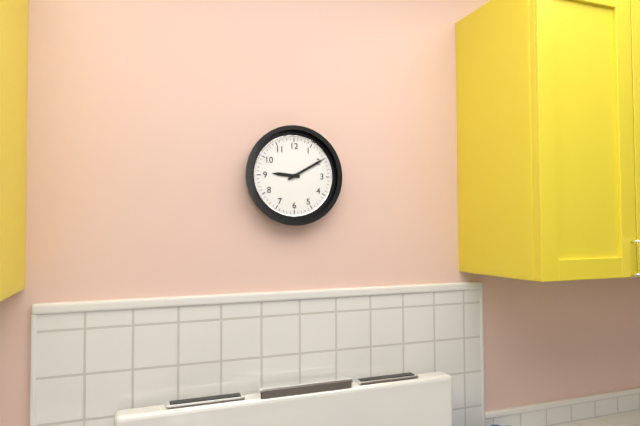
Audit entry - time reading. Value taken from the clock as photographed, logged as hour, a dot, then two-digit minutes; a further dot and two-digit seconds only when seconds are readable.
9.10
